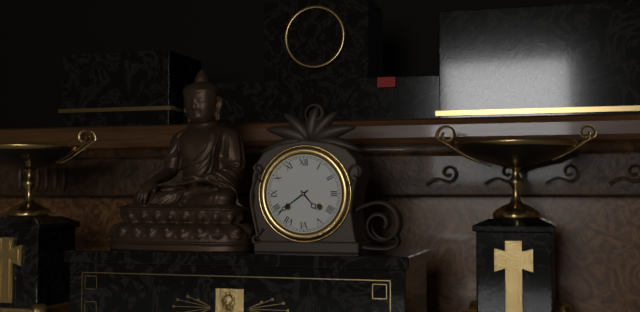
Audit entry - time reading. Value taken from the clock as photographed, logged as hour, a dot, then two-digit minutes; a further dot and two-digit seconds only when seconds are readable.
4.39
